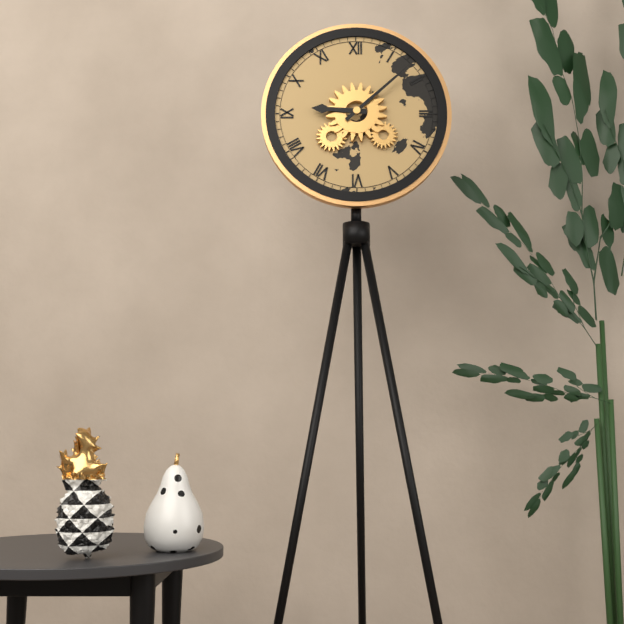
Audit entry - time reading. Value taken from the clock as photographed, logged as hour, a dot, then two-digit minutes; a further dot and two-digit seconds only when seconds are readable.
9.08
